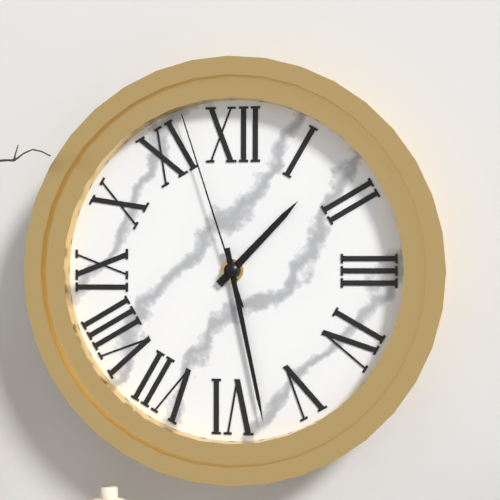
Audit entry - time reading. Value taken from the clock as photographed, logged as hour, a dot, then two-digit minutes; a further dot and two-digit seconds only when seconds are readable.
1.28.57
